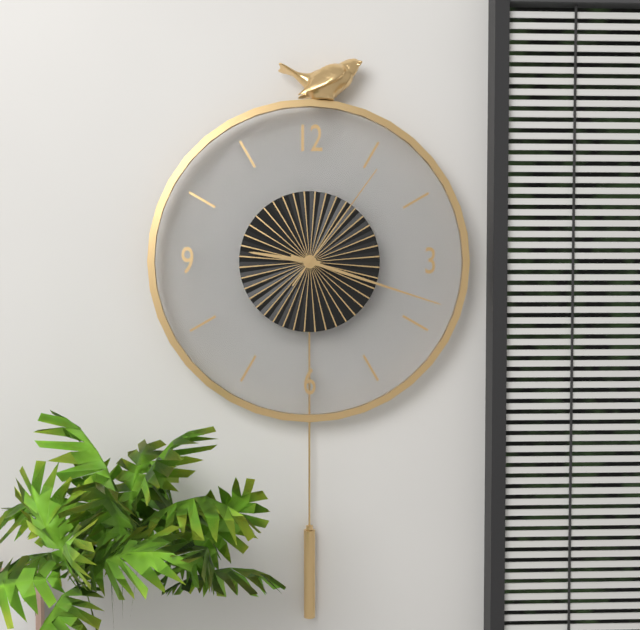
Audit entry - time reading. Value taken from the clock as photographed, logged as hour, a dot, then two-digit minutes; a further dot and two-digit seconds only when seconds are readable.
9.18.06
